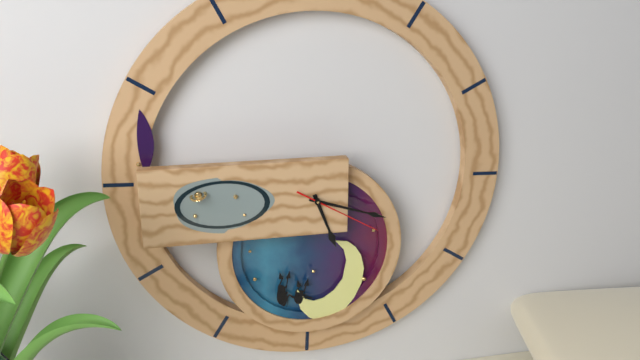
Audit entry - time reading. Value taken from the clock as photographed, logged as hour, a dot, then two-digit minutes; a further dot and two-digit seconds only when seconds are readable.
5.18.20
